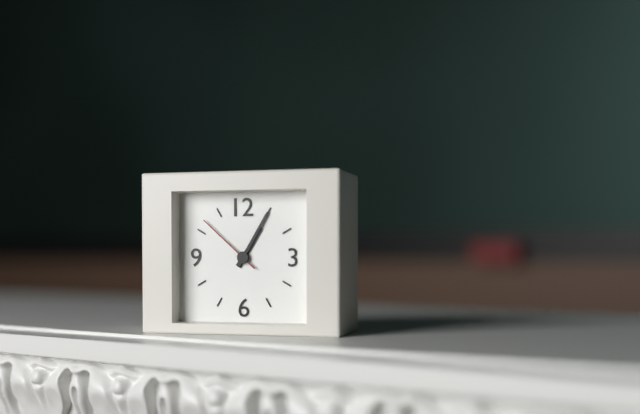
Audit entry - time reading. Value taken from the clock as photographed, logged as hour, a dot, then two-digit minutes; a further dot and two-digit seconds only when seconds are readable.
1.05.52
